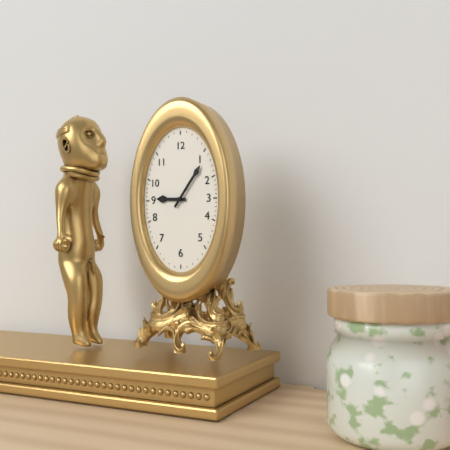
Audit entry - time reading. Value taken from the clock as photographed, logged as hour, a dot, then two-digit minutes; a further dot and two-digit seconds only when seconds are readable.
9.06
